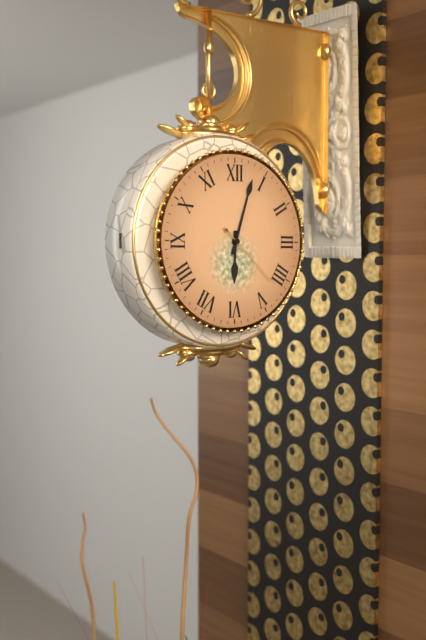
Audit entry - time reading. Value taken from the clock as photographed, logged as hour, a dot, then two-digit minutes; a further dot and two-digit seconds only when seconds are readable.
6.03.22
